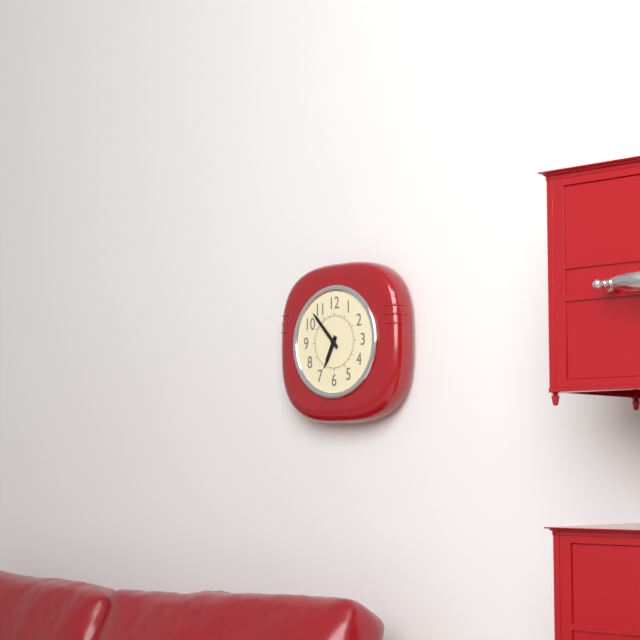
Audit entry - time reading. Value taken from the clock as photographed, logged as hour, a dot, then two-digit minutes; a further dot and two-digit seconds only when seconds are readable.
6.53
